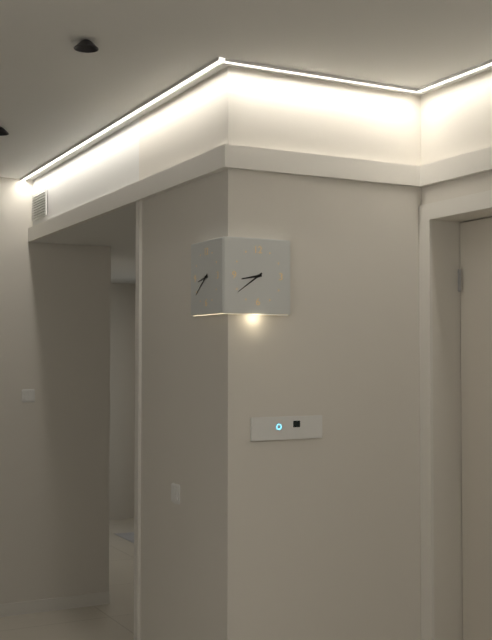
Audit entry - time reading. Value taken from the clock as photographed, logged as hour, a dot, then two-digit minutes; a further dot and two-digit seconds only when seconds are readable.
8.39
